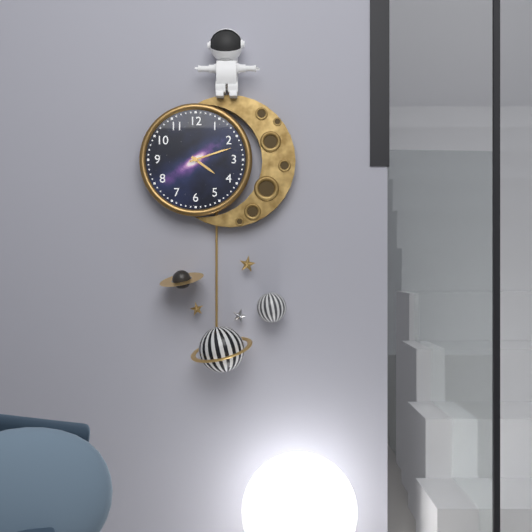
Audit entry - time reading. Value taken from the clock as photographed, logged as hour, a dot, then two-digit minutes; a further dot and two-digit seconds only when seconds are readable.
4.12
